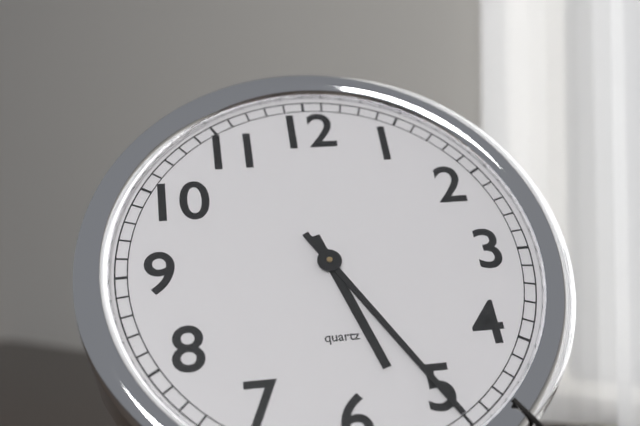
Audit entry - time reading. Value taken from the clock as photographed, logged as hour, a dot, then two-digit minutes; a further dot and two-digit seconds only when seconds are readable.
5.25
